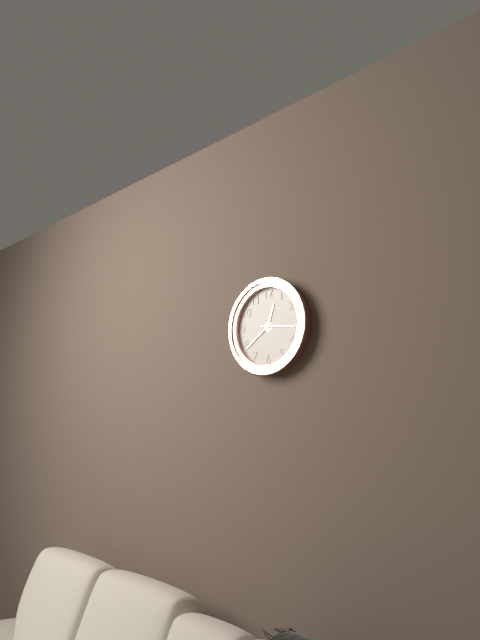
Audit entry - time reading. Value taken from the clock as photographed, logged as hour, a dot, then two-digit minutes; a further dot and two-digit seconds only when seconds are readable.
12.39
